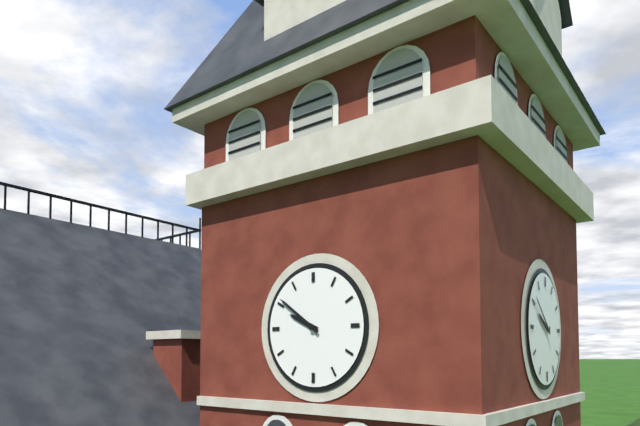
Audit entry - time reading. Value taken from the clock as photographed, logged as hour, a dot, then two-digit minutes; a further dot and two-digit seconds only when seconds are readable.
9.51
